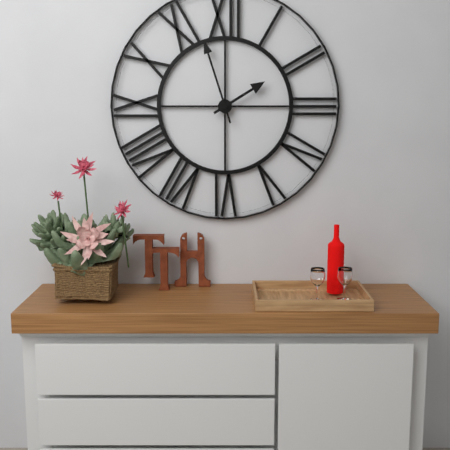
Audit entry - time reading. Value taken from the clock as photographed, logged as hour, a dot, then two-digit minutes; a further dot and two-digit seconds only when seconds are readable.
1.57
